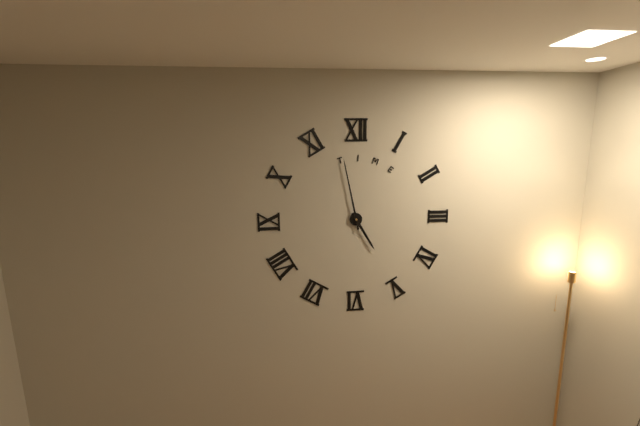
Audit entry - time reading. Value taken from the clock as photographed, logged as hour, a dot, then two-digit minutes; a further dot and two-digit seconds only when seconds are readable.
4.58
